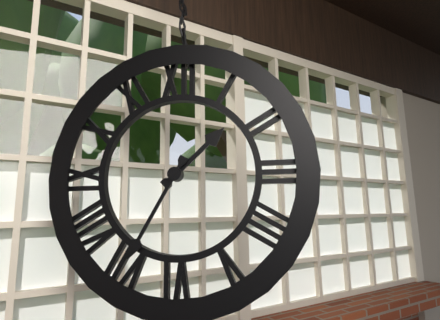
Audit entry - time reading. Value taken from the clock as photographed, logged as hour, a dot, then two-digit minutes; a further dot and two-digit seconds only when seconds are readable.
1.35
